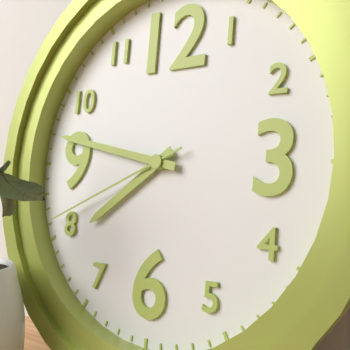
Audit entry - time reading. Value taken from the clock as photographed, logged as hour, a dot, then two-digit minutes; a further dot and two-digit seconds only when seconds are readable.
7.47.41
